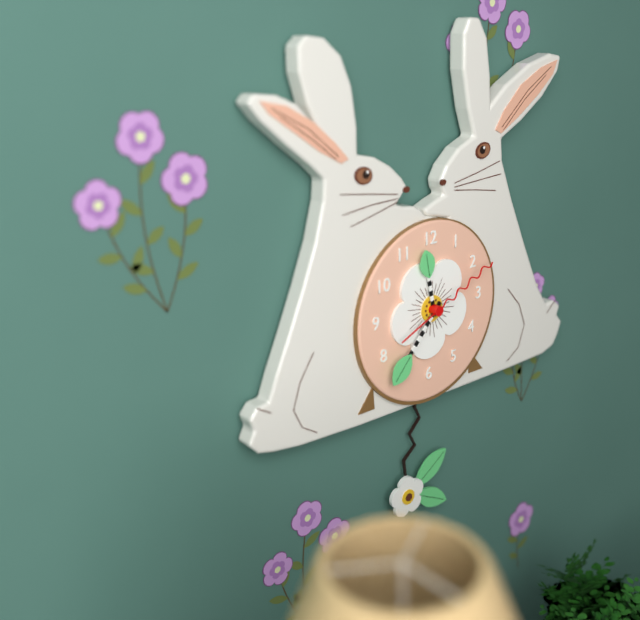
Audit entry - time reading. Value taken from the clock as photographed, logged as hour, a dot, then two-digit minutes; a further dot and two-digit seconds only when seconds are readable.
11.37.11
